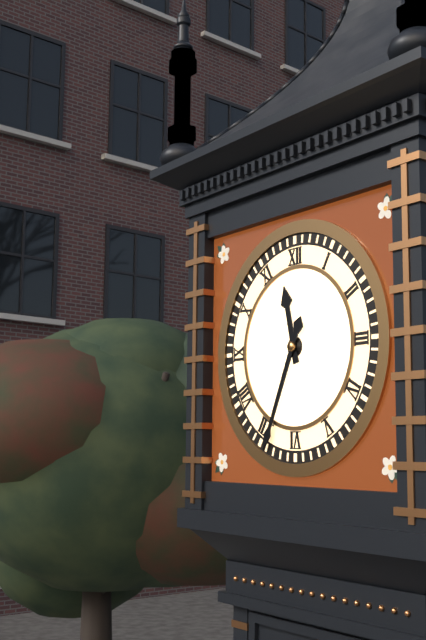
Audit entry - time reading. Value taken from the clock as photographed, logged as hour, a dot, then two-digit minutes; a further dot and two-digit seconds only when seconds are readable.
11.34
